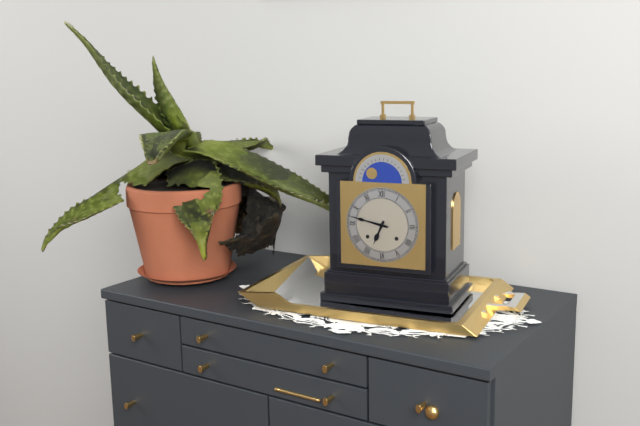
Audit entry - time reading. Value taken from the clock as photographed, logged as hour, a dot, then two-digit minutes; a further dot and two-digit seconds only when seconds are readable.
6.47
